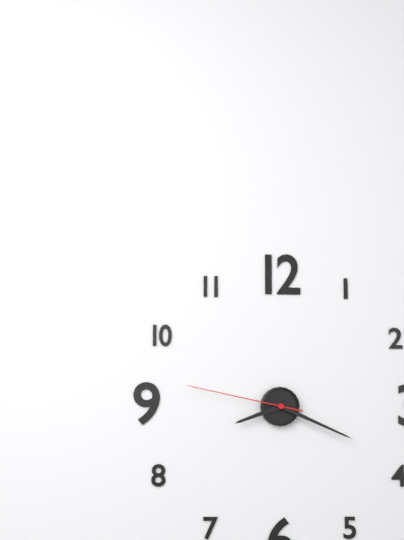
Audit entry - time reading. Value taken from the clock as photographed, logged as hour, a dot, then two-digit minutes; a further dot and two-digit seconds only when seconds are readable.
8.19.47
